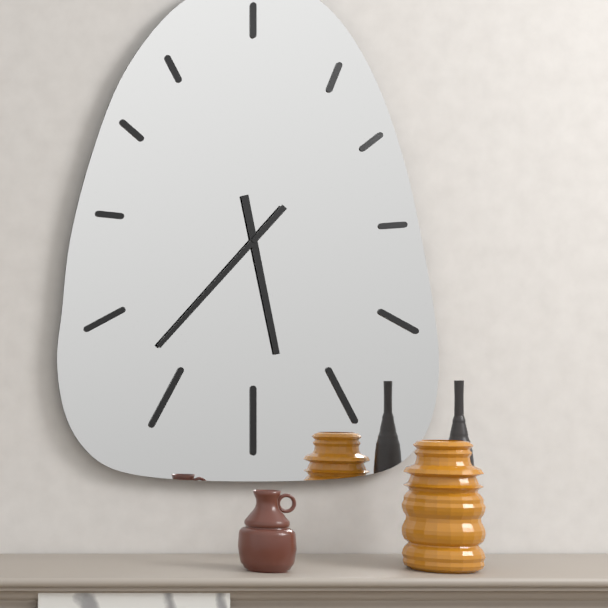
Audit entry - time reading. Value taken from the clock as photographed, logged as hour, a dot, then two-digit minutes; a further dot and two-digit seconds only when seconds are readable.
5.37
